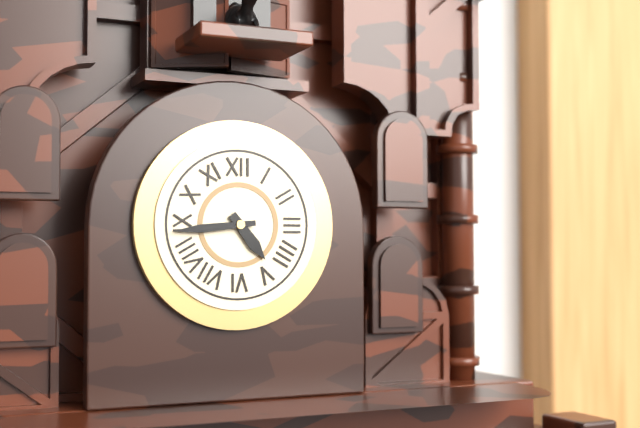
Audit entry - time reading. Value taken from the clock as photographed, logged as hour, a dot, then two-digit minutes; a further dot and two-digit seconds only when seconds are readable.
4.44
